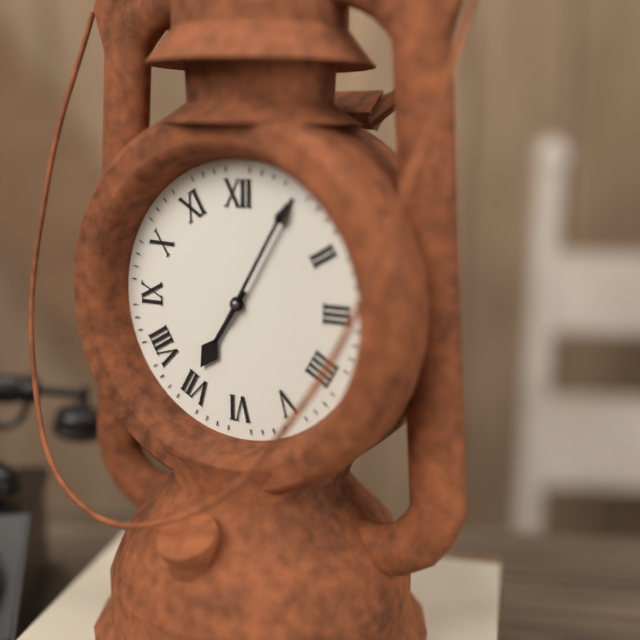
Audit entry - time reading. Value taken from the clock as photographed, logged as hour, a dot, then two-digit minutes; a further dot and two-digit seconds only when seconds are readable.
7.05
